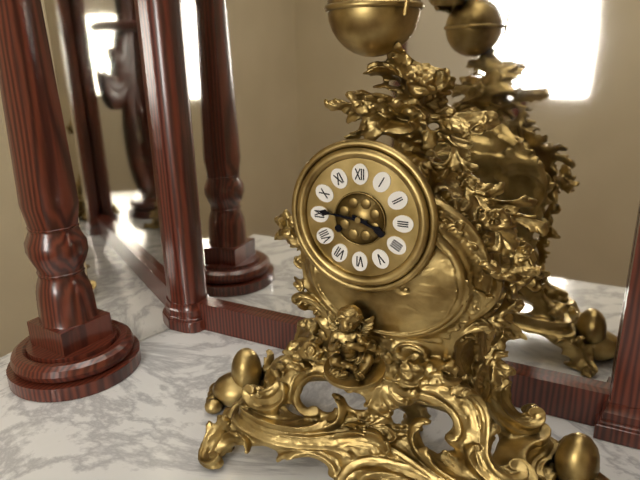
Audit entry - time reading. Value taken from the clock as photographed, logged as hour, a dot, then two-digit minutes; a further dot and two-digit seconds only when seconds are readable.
3.46
